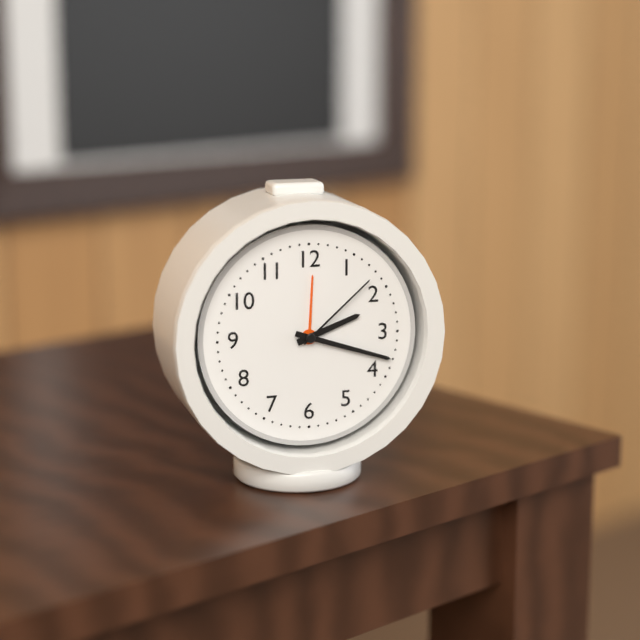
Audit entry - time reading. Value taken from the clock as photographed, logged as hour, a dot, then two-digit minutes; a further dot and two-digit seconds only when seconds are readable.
2.18.08
